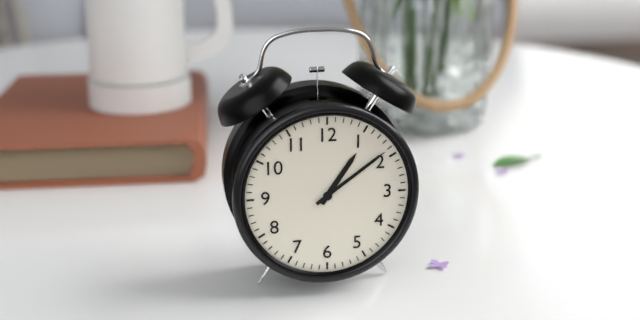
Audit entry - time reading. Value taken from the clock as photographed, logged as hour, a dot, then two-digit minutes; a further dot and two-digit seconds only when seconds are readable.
1.09
